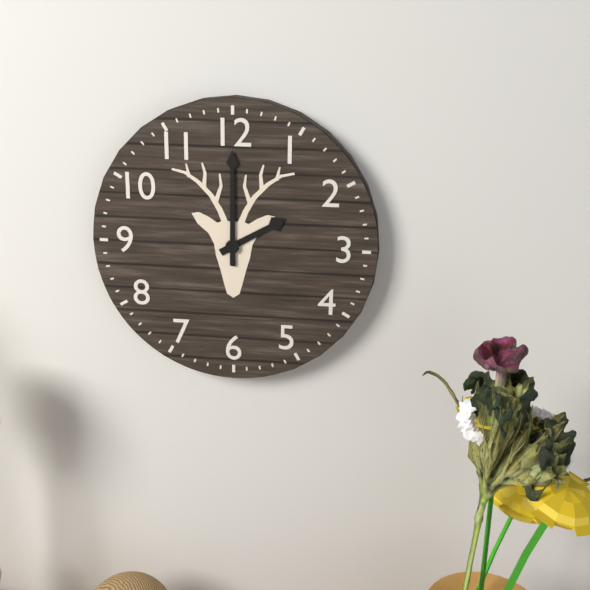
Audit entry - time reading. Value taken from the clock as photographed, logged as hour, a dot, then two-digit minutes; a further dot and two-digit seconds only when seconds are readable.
2.00
